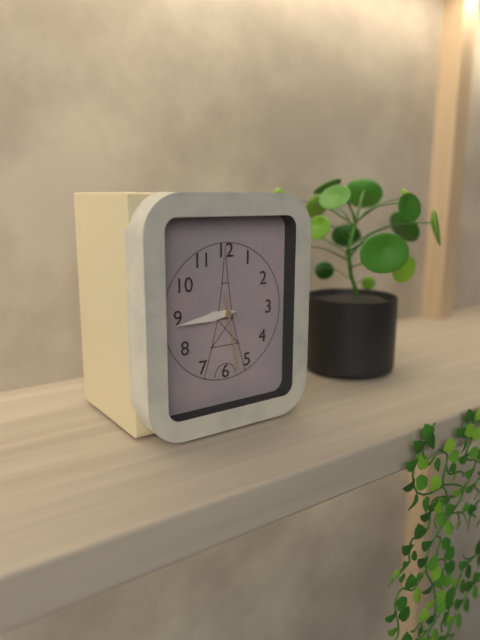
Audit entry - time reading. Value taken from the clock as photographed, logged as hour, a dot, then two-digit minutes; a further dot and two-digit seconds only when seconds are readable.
8.44.28
